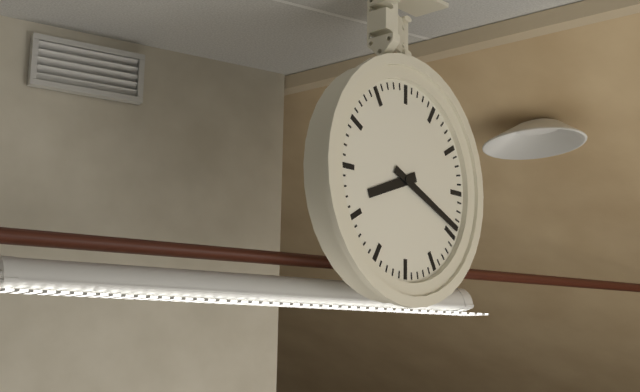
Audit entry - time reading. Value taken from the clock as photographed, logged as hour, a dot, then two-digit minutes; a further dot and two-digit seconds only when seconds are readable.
8.19
